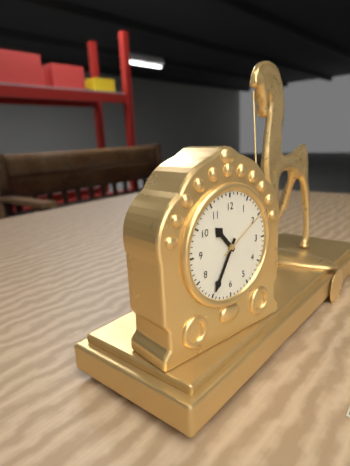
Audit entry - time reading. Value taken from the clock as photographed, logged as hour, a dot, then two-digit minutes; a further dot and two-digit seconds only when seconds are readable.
10.35.10
